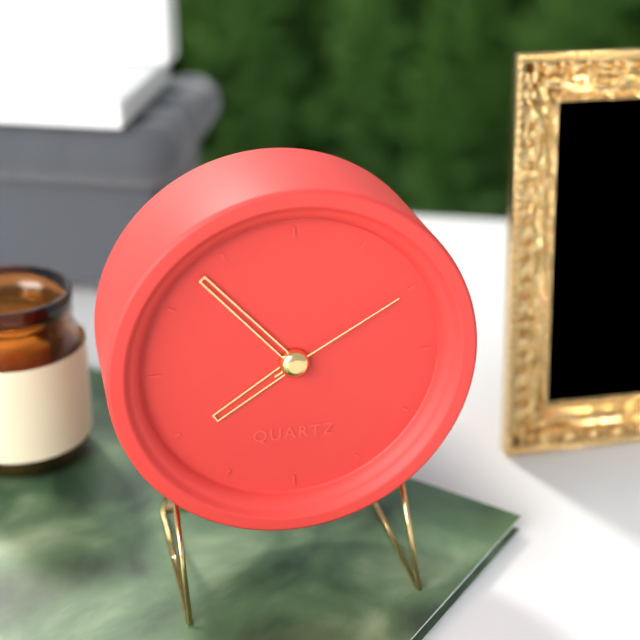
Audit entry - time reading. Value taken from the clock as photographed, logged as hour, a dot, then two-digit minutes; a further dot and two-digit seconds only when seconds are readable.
7.53.10
